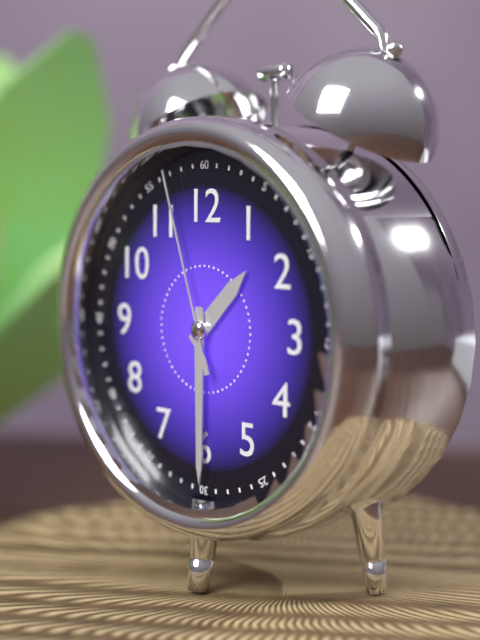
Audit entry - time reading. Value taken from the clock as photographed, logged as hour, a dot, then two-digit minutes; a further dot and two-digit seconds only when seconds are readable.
1.30.57
